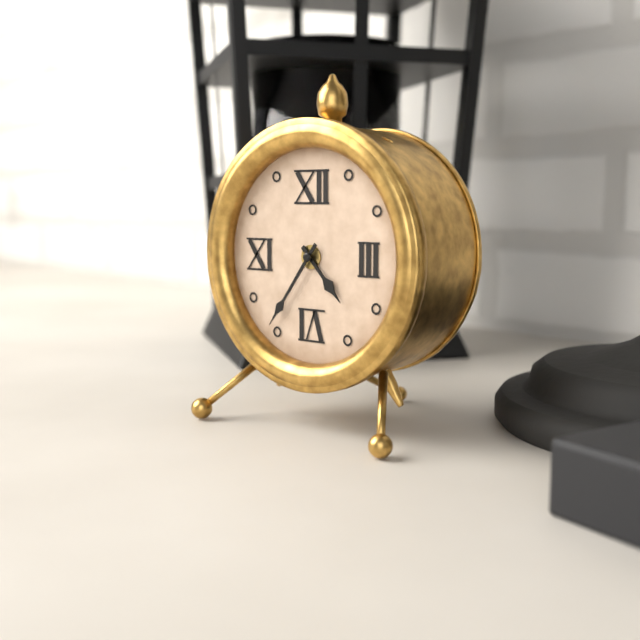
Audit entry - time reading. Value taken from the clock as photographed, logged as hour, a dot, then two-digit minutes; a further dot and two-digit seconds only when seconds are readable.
4.36
